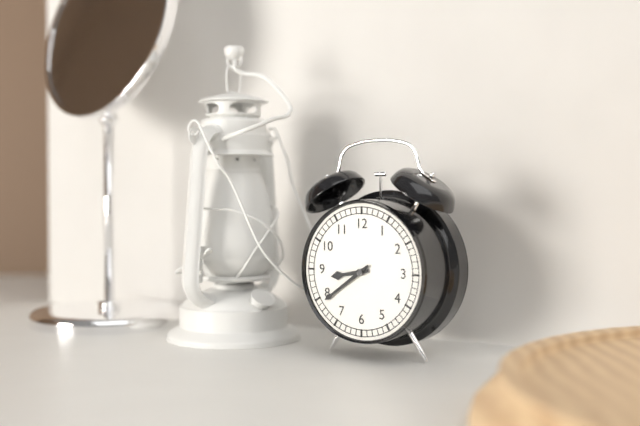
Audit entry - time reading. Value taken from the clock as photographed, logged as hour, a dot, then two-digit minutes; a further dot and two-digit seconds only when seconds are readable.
8.39
